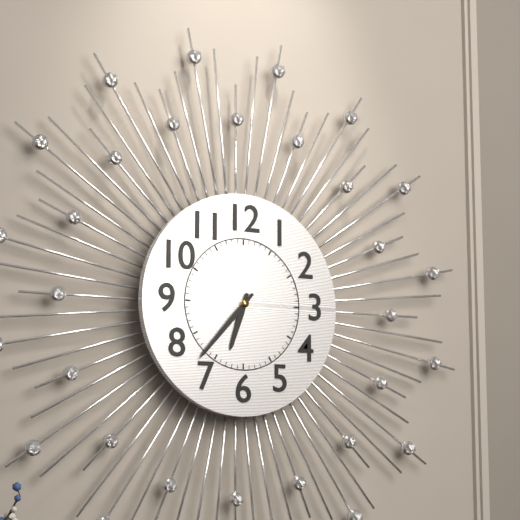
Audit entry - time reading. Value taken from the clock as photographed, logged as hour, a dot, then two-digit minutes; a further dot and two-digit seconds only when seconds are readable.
6.37
